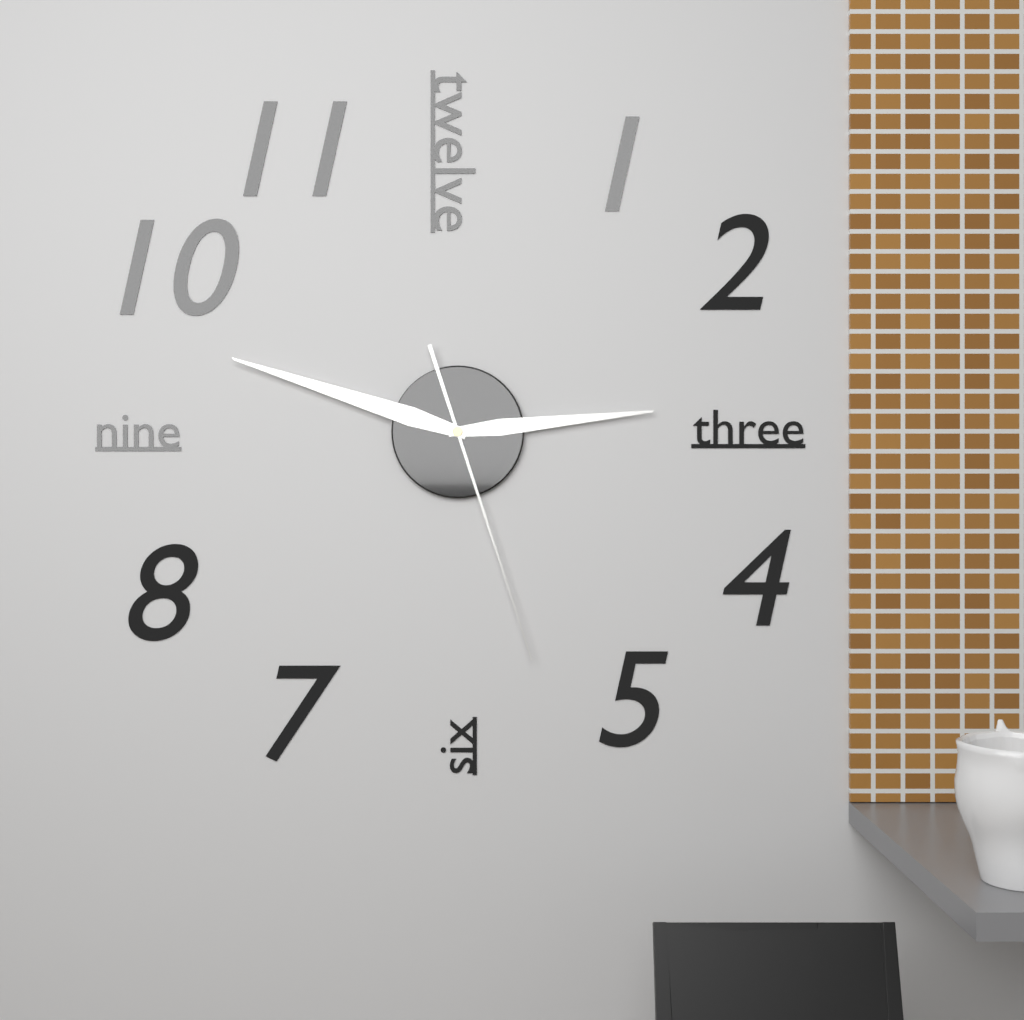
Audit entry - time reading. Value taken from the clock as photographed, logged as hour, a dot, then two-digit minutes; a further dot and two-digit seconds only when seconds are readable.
2.48.27
